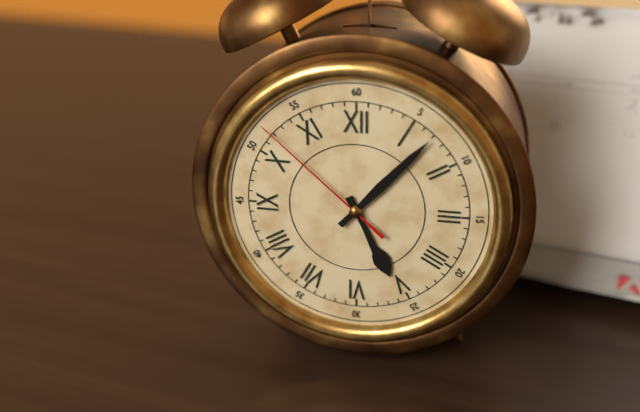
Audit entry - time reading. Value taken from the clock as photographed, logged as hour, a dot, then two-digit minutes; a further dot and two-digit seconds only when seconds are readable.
5.07.52
